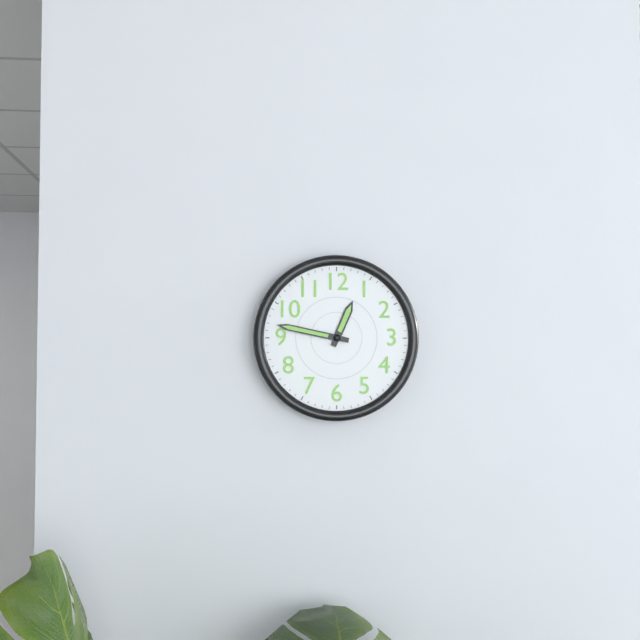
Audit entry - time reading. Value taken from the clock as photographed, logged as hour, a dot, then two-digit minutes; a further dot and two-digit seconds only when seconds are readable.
12.47
